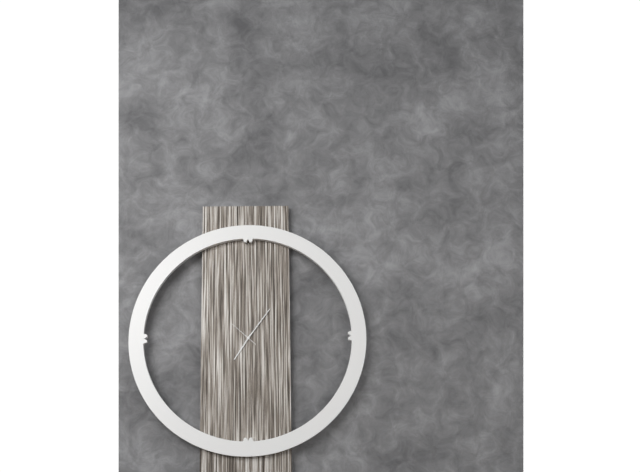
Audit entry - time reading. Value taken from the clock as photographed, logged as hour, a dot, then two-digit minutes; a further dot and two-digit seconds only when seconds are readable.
7.06
